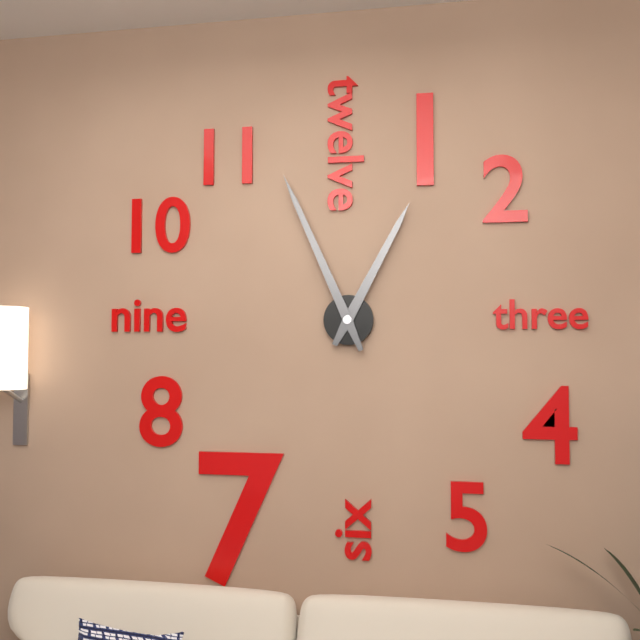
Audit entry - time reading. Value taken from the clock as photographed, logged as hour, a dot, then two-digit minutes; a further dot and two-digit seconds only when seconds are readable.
12.56
